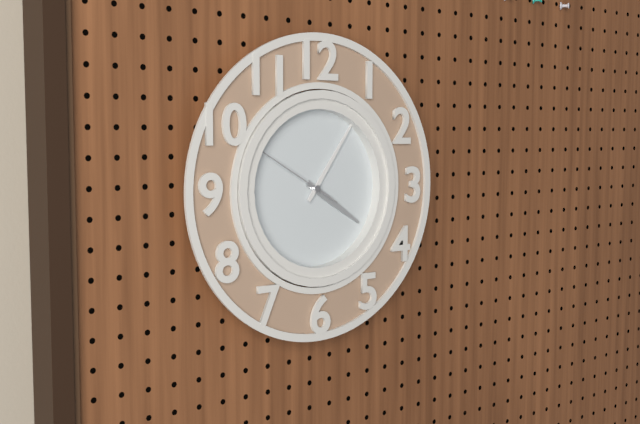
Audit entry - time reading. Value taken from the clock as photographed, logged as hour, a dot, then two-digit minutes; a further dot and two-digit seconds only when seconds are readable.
4.06.50
